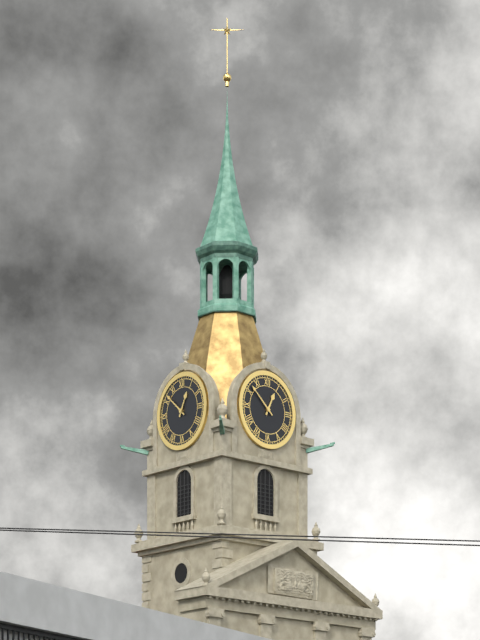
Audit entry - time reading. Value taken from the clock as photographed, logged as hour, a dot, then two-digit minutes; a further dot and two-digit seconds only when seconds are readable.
12.52
